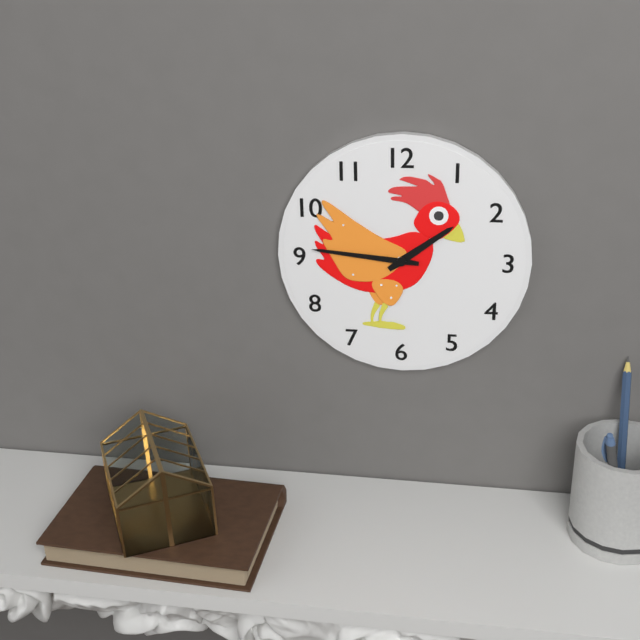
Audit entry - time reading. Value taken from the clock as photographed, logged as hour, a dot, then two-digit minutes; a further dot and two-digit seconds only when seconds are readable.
1.46
